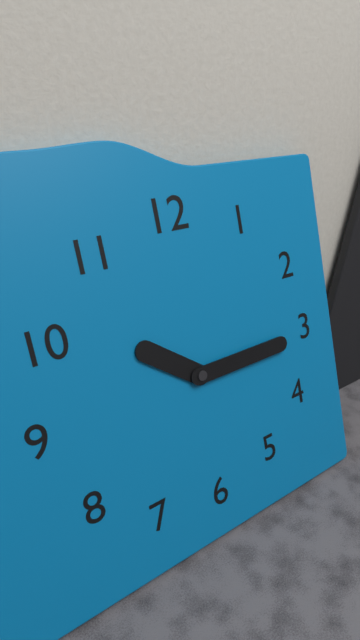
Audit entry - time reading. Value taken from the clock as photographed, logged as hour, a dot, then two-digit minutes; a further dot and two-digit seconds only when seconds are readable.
10.15
